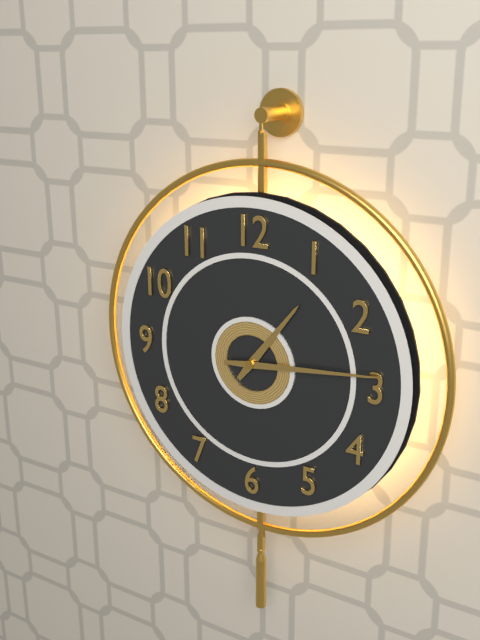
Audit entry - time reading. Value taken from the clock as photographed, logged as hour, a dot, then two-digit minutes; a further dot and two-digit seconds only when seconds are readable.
1.14
